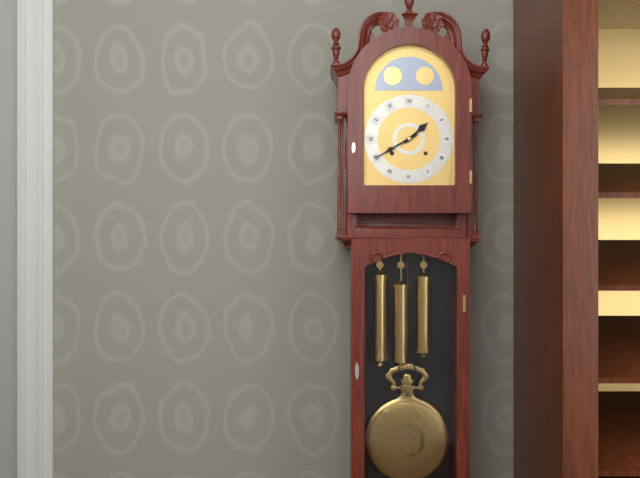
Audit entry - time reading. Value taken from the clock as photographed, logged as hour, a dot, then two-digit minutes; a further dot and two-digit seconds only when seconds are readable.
1.40
